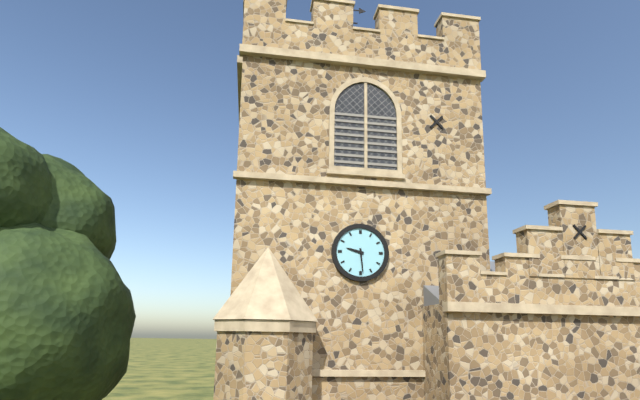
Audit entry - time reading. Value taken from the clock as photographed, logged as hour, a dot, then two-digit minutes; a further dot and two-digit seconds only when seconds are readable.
9.29
